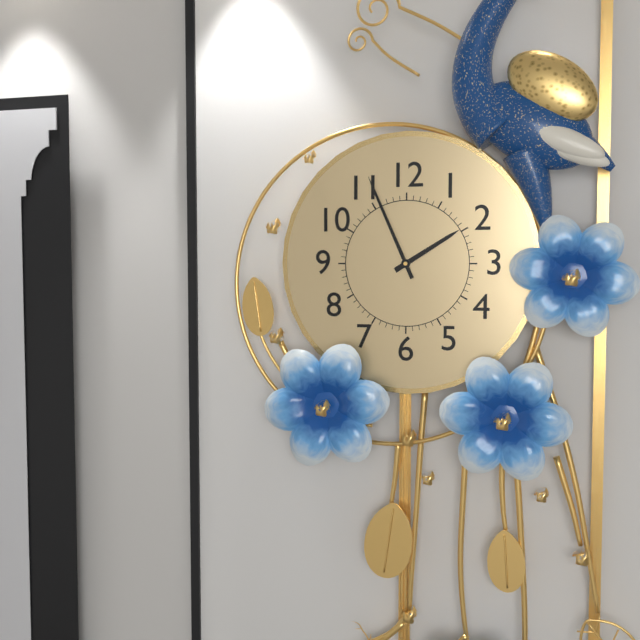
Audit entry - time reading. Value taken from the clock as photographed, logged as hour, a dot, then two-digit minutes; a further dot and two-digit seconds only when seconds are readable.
1.56
